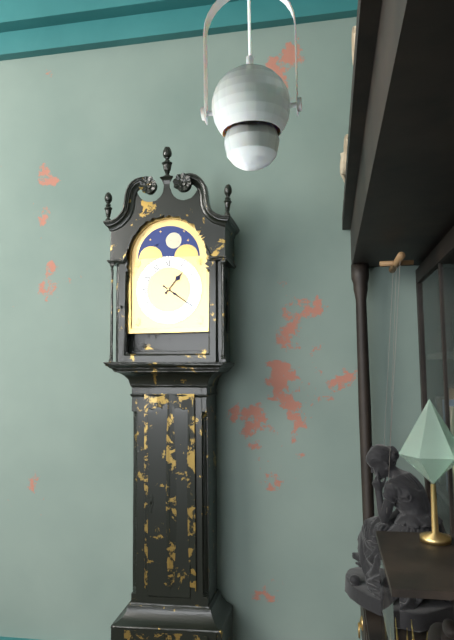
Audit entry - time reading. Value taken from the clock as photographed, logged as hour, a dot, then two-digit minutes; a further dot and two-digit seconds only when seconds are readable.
1.21
